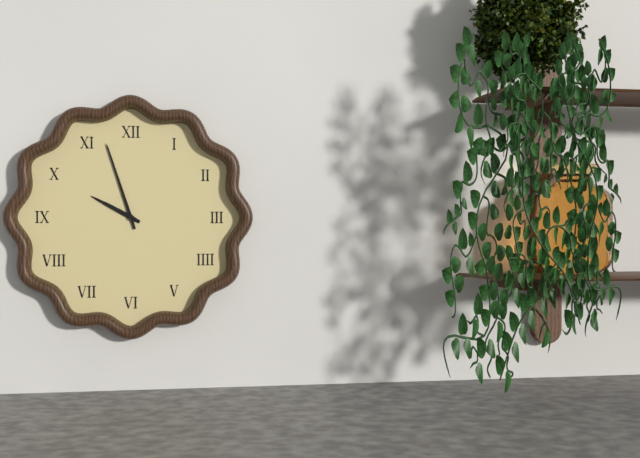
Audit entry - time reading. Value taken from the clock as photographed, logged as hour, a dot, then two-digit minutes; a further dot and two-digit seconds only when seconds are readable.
9.57
